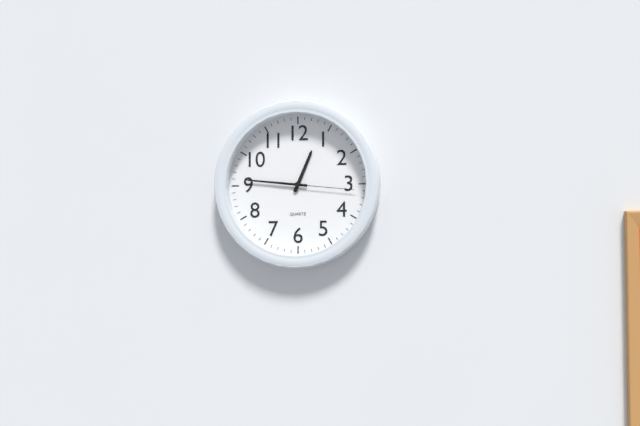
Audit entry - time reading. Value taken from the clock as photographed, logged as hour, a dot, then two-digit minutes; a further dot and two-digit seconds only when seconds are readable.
12.46.16
